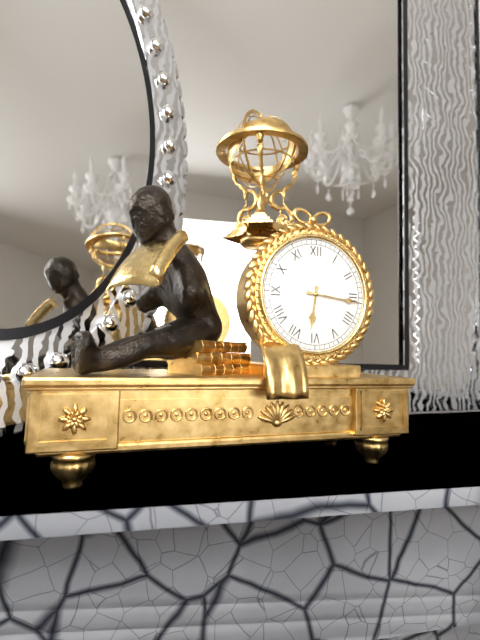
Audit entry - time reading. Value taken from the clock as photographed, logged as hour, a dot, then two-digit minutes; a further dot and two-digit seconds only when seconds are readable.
6.16
